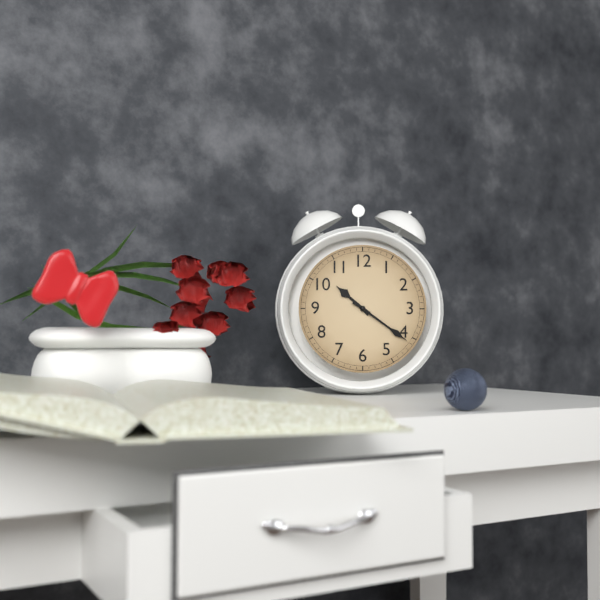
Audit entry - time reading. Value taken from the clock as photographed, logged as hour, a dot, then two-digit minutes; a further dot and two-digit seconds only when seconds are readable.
10.21
